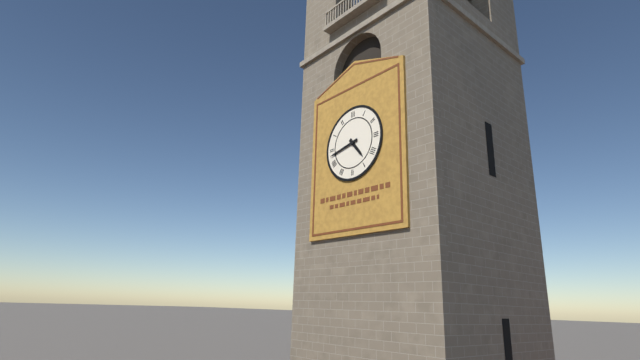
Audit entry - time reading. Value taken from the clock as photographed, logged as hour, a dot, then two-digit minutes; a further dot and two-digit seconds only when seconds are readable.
4.43
